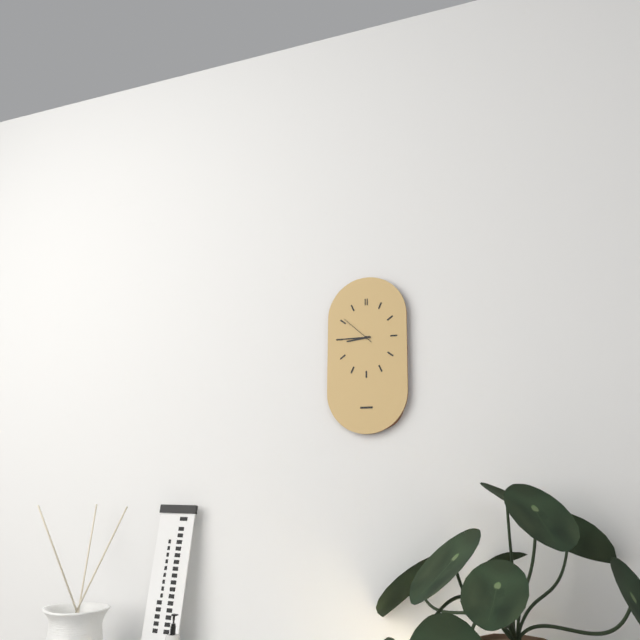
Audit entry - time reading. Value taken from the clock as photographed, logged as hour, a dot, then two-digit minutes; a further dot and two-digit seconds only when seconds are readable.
8.45
